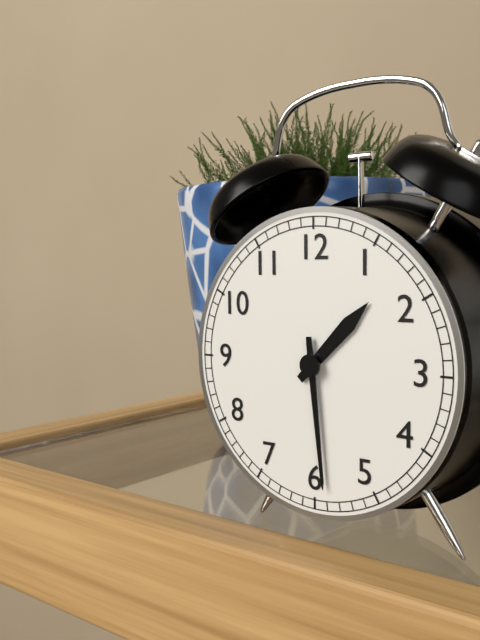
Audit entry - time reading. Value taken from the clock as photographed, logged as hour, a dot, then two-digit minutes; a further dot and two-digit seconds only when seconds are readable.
1.29
